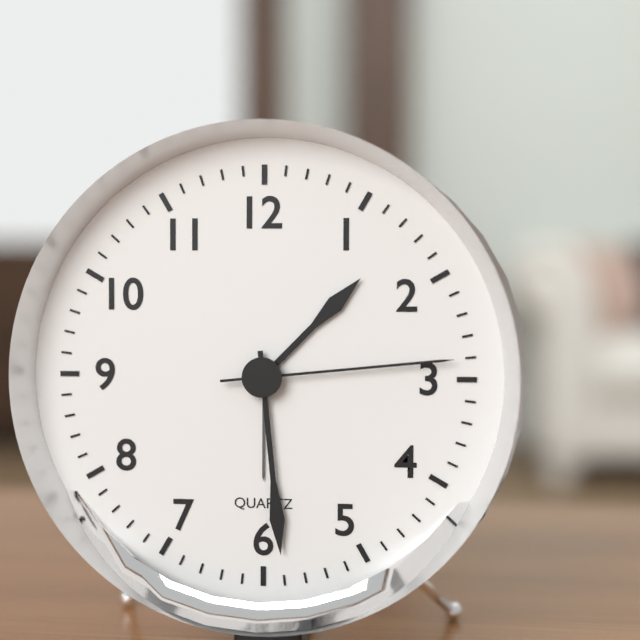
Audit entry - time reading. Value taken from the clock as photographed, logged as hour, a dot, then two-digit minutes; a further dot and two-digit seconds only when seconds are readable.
1.29.14
